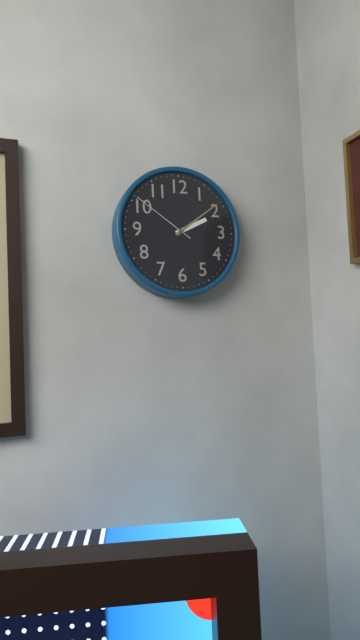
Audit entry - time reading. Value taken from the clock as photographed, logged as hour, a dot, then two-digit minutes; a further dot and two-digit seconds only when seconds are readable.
2.09.51
